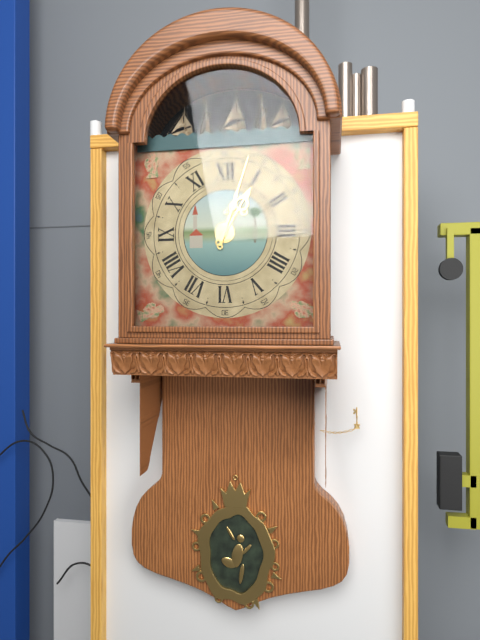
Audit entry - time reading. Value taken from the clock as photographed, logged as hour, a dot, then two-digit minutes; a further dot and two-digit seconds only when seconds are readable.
1.03
